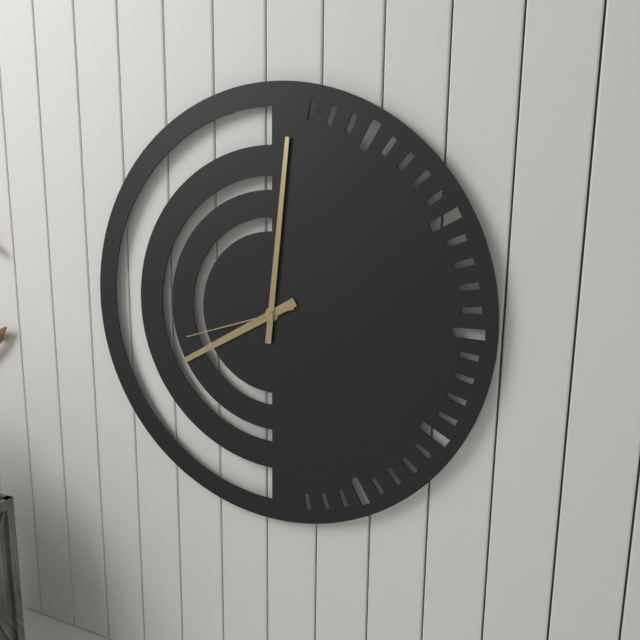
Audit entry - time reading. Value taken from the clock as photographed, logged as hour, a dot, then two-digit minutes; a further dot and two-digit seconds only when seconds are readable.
8.01.42
